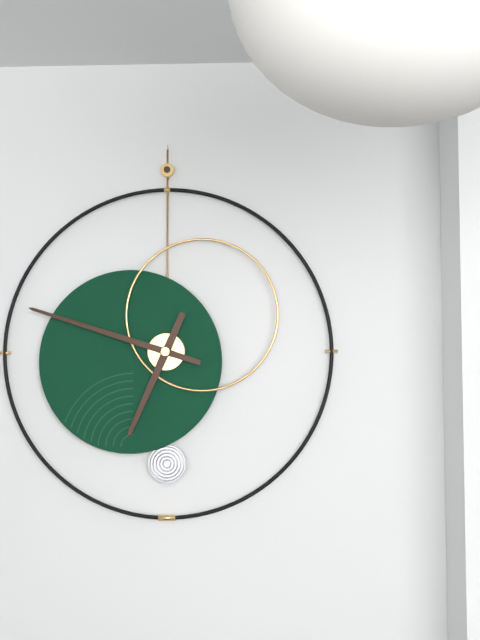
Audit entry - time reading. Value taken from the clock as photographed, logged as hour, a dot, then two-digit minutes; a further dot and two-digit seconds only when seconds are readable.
6.48
